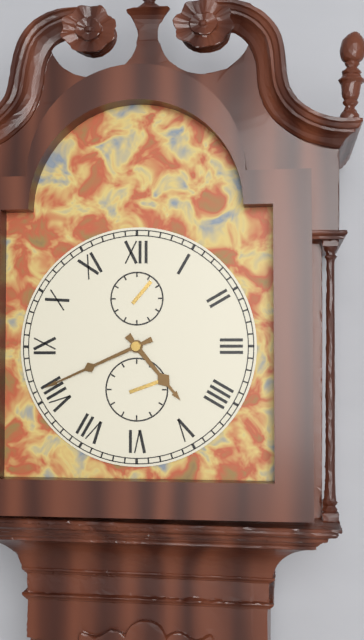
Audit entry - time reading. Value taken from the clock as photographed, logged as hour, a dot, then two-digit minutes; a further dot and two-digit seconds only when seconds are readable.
4.41
